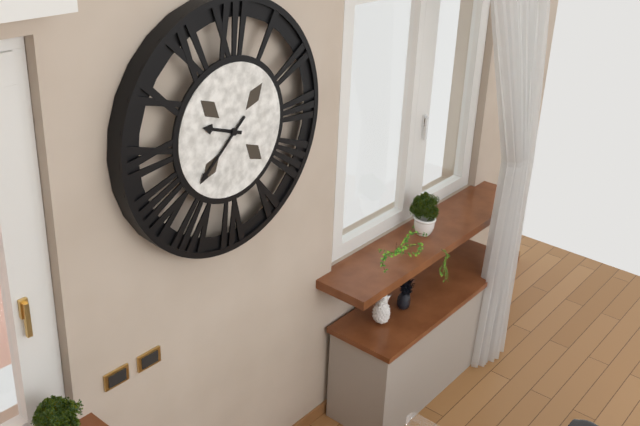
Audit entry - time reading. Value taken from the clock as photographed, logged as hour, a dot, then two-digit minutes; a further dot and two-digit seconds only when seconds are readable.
9.38
